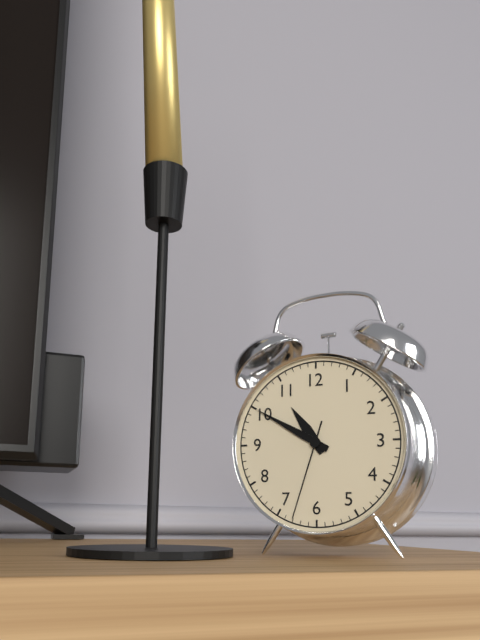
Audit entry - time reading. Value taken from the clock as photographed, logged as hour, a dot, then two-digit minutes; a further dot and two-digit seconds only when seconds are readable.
10.50.33
